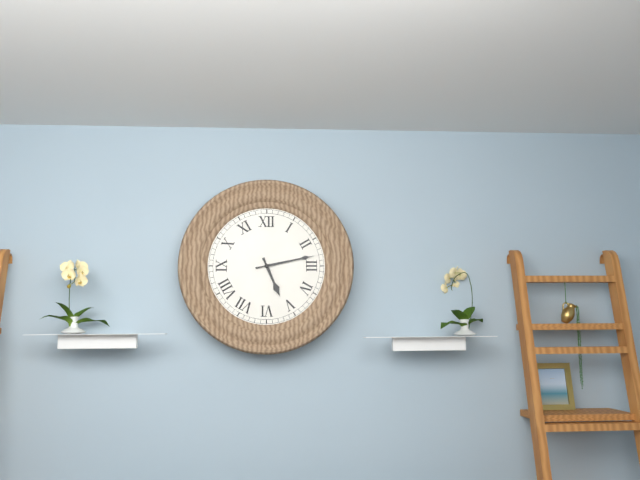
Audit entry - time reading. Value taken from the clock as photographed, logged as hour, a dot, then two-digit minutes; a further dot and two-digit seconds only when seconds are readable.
5.13
